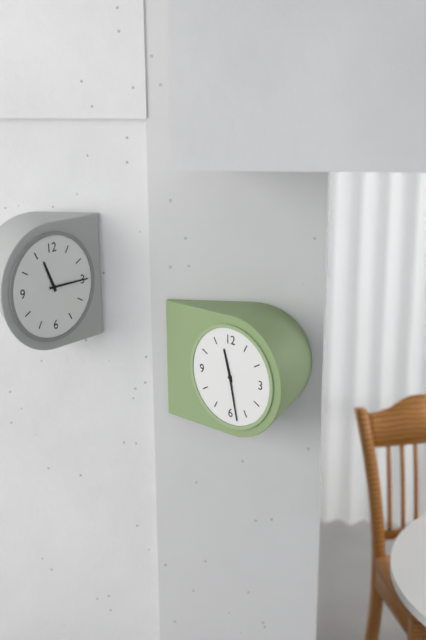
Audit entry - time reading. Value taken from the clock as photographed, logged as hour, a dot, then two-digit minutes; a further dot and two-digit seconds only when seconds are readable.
11.28
